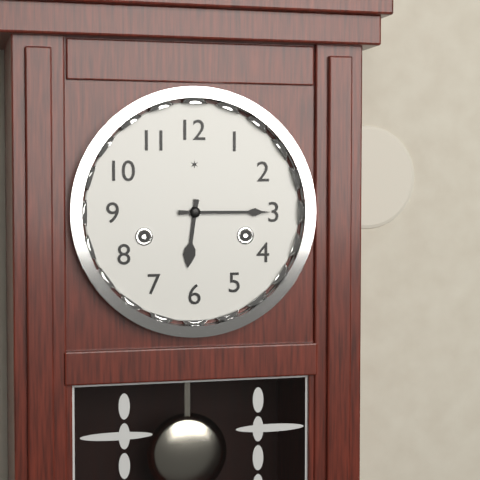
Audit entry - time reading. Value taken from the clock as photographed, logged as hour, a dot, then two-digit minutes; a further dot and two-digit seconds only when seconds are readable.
6.15
